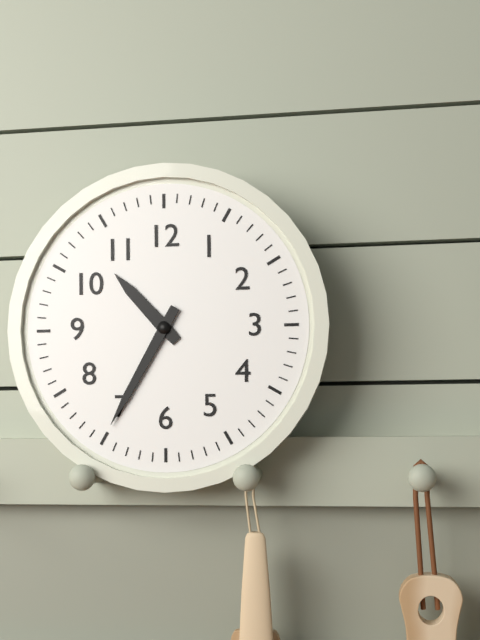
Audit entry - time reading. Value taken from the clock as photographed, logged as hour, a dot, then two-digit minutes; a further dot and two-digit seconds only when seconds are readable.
10.35
